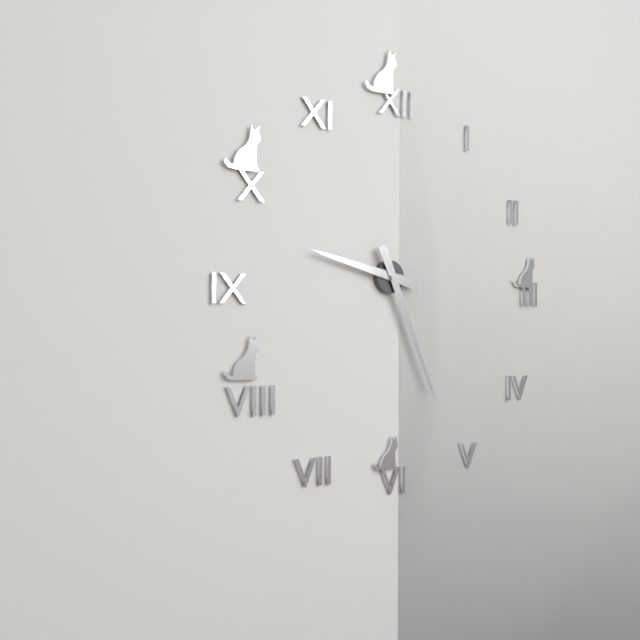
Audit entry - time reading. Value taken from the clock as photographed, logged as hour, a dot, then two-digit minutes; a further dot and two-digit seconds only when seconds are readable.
9.26
